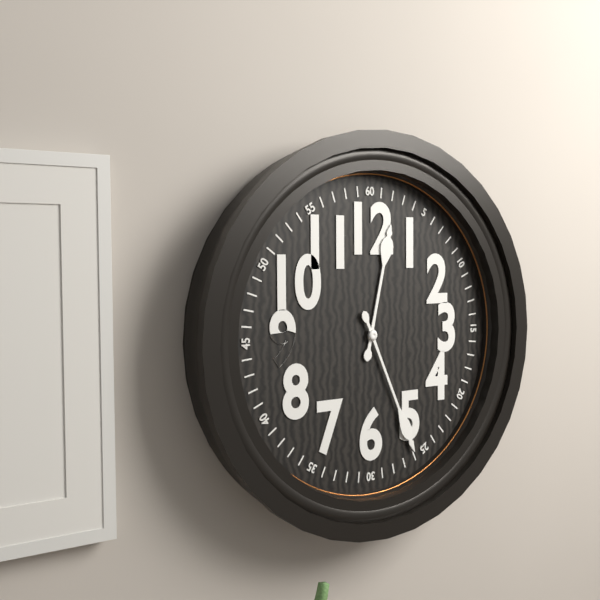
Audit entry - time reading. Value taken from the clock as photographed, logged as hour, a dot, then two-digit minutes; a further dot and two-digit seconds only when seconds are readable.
12.26
